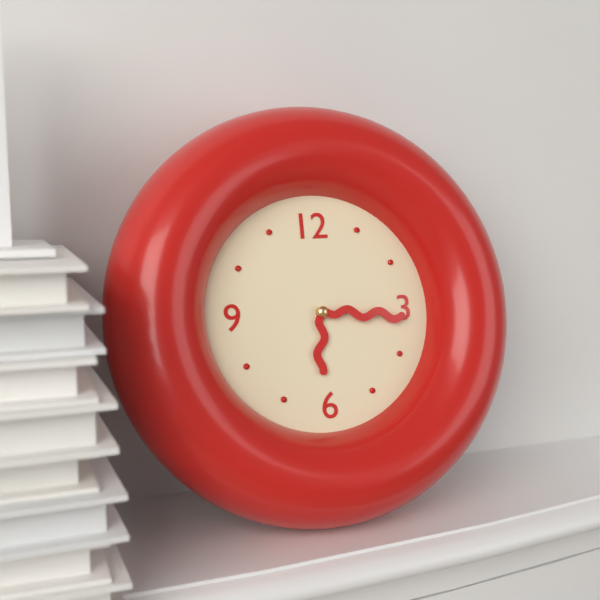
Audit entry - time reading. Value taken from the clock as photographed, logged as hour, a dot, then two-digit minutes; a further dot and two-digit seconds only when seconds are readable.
6.16
